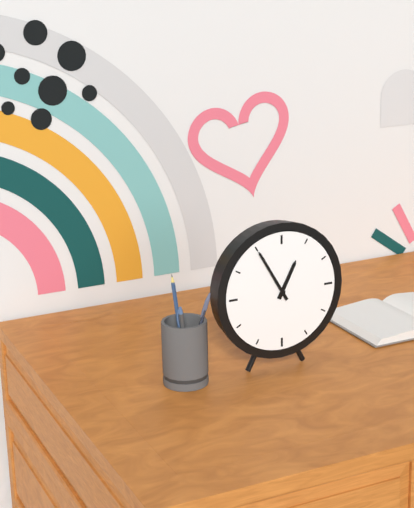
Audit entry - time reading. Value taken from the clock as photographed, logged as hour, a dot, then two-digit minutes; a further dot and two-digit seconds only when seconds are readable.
12.55
